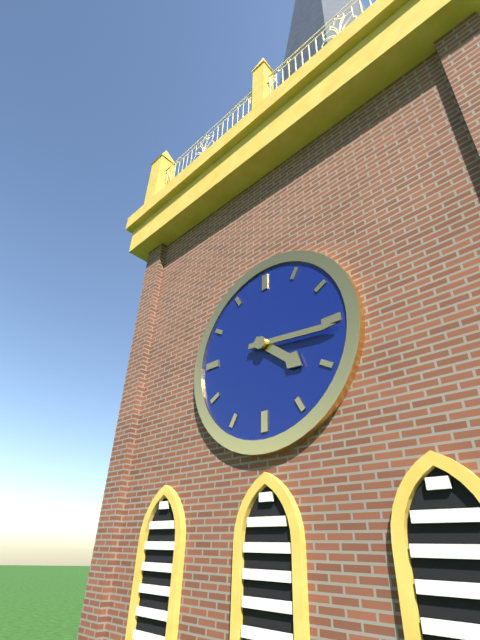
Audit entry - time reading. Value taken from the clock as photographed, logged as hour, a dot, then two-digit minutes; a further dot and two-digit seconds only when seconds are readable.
4.16
